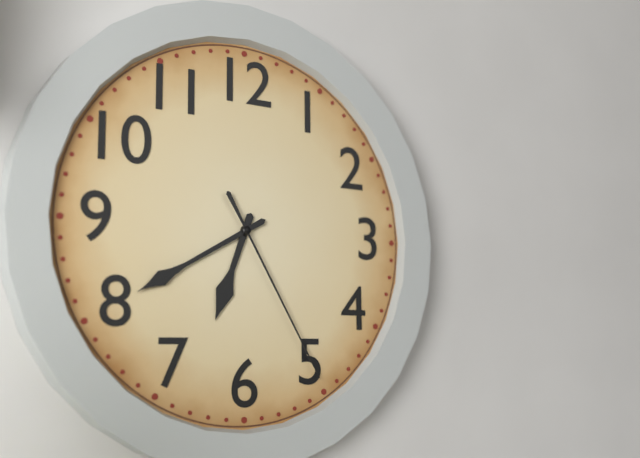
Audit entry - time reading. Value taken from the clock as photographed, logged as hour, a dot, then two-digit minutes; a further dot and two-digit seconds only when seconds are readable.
6.40.25
